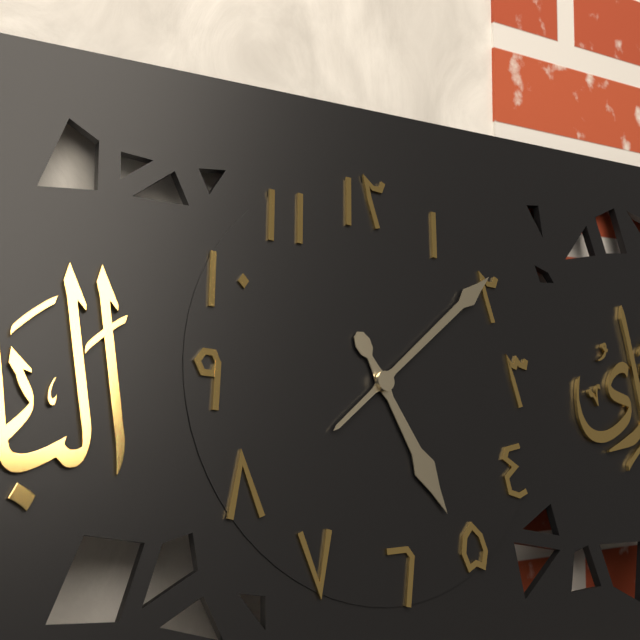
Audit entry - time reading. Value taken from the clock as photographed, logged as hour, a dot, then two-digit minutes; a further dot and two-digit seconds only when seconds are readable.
5.09
